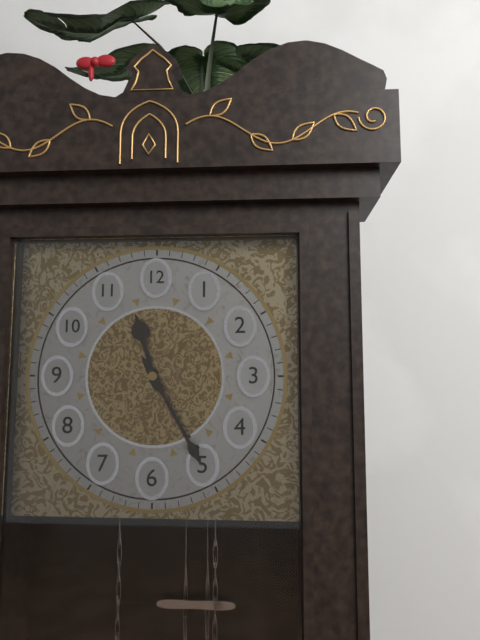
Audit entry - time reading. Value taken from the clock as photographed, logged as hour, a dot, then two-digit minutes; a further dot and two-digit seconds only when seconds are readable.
11.25
